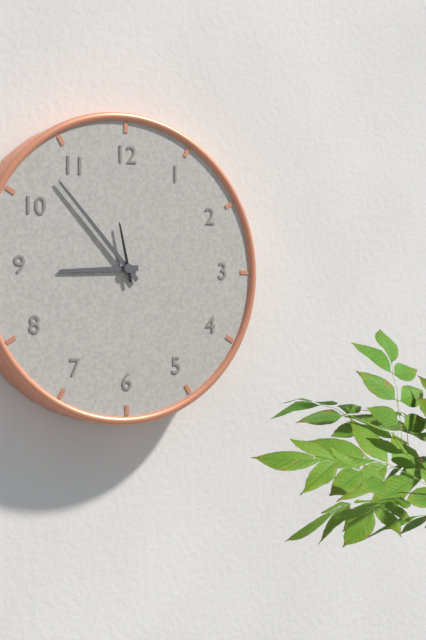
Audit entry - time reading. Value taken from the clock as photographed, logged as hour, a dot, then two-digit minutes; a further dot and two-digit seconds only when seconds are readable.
8.53.58
